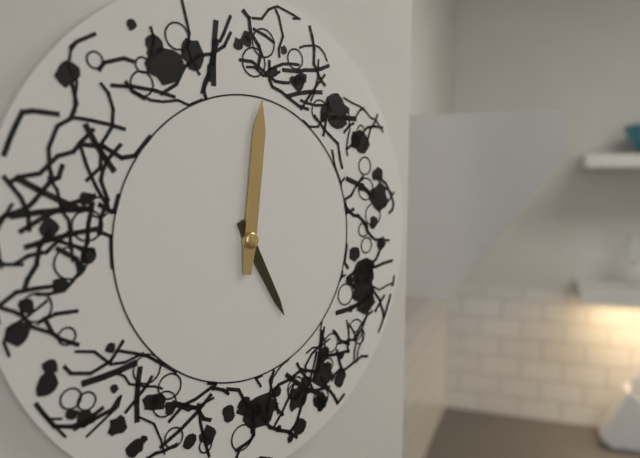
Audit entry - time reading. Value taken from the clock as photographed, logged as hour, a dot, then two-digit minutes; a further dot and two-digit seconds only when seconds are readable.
5.01
